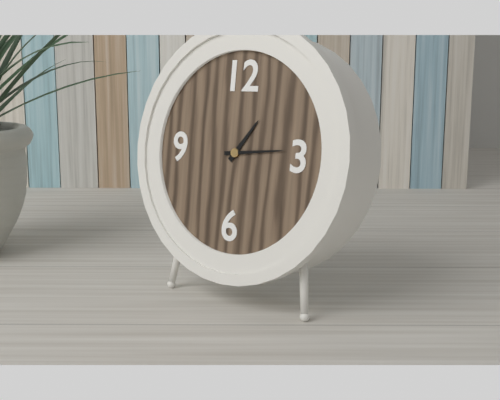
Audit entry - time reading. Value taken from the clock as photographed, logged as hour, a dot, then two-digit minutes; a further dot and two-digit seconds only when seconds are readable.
1.14
